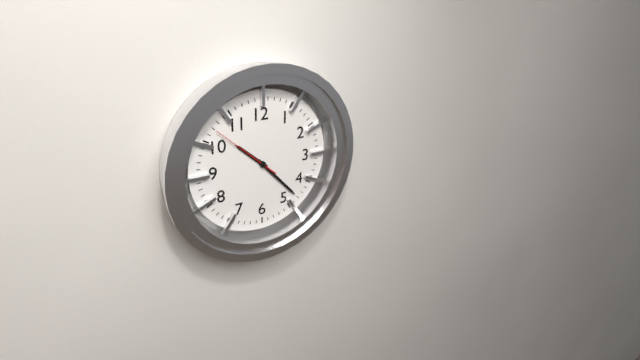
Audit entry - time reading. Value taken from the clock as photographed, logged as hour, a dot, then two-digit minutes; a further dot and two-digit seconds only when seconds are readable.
10.23.52
